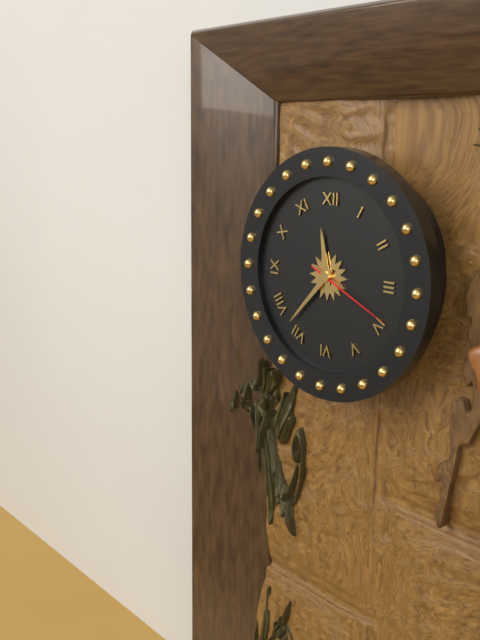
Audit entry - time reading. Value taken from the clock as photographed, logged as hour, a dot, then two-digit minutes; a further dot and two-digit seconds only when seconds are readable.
11.37.19
